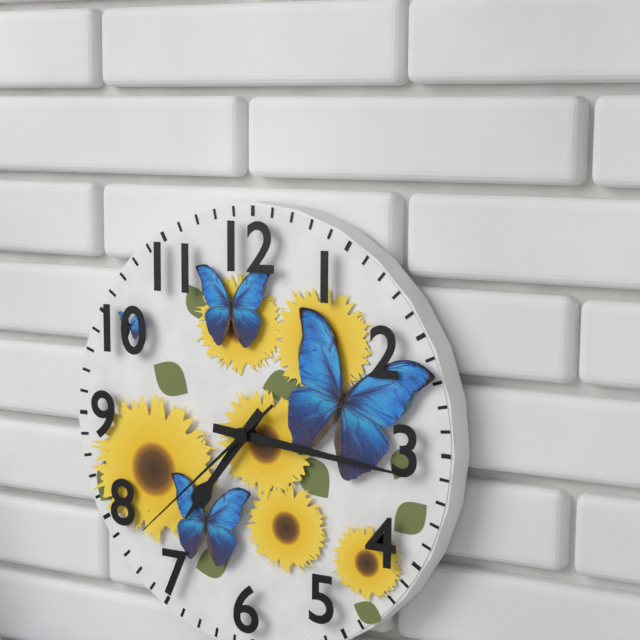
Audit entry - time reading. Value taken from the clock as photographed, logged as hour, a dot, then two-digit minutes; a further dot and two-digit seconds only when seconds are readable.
7.16.38
